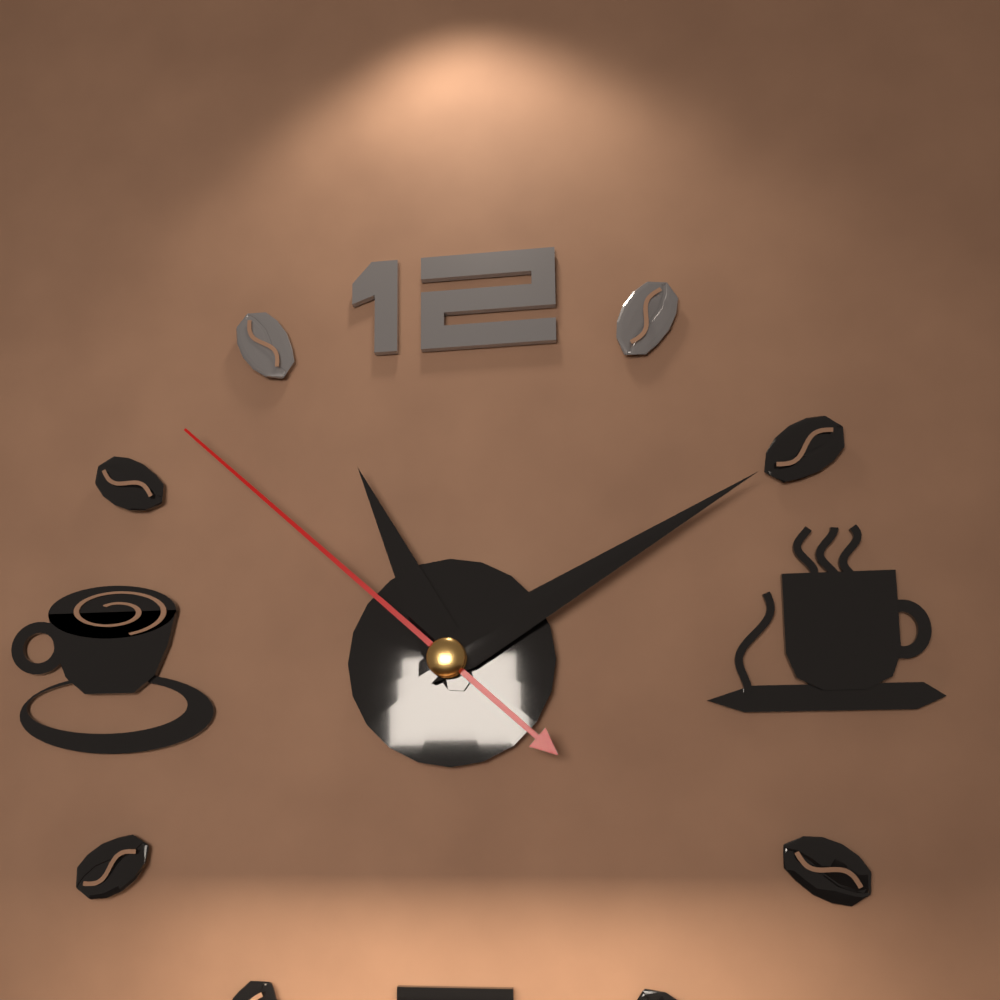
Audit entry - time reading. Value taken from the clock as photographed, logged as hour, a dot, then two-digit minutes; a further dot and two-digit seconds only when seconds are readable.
11.10.52
